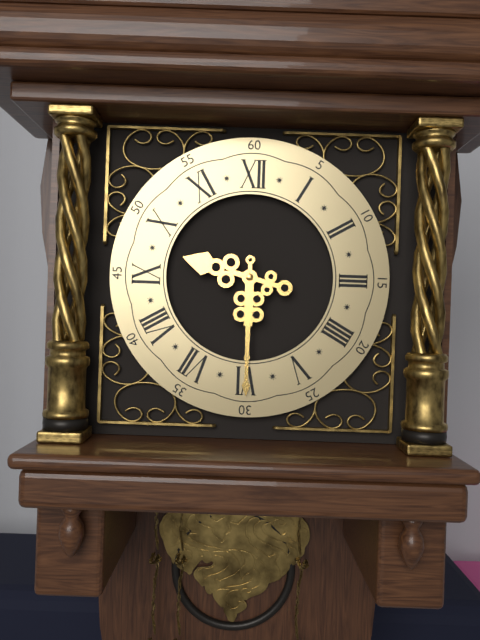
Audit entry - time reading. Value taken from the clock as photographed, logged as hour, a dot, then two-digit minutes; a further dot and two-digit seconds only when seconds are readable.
9.30
